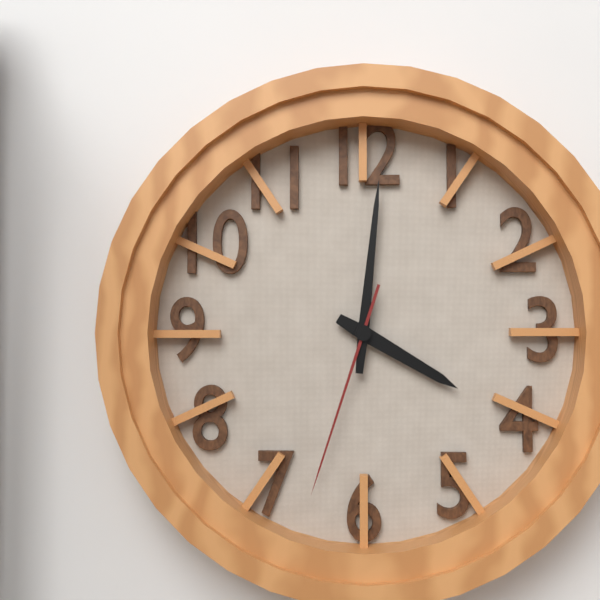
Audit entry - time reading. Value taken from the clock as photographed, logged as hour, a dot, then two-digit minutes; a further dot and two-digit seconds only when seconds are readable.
4.01.33
